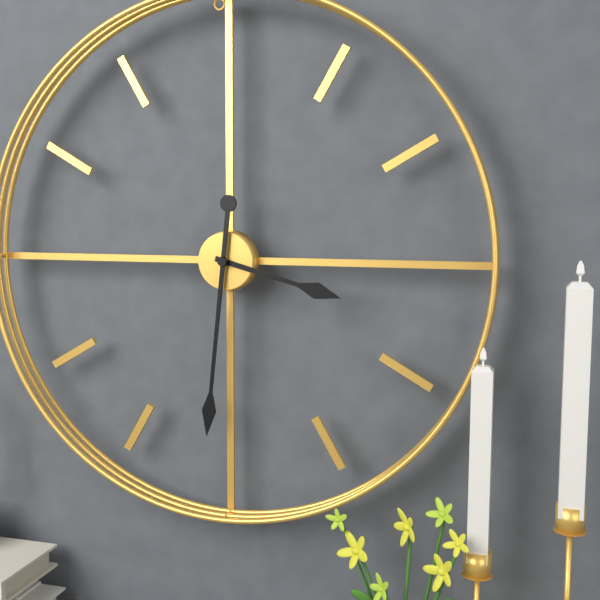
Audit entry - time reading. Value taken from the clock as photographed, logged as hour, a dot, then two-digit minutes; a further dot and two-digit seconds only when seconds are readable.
3.31
